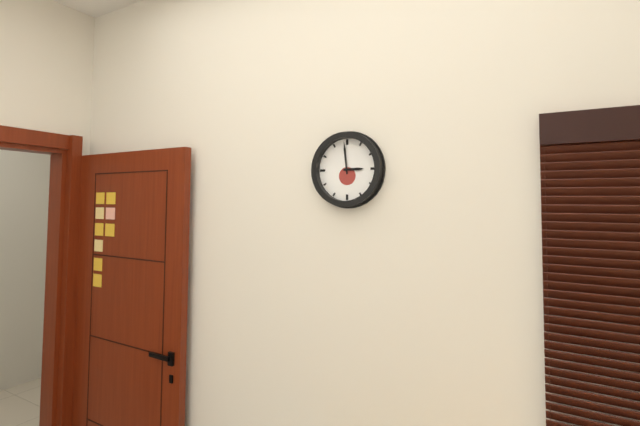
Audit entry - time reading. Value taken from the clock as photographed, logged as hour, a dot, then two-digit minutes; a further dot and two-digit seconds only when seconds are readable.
2.59
